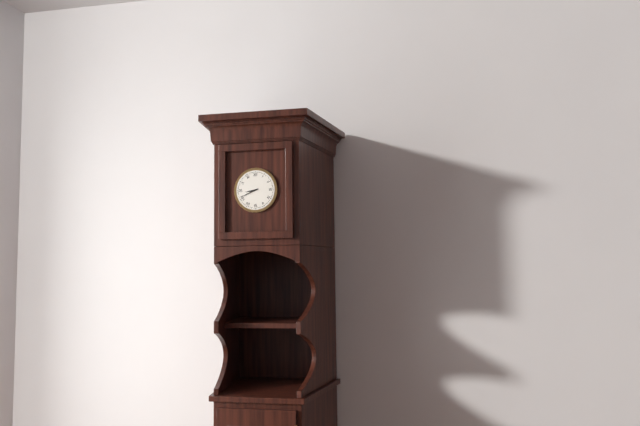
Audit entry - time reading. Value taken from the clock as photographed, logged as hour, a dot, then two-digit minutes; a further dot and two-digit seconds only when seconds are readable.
8.41
